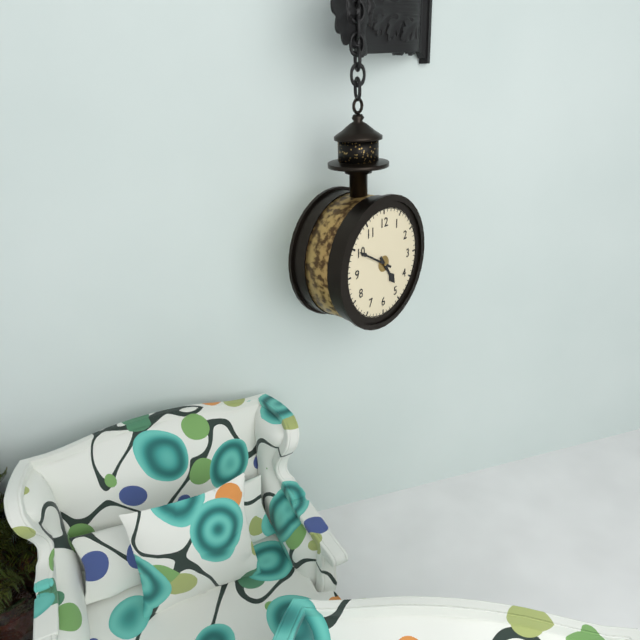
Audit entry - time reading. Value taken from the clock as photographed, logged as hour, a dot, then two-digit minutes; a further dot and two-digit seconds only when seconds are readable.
4.50
